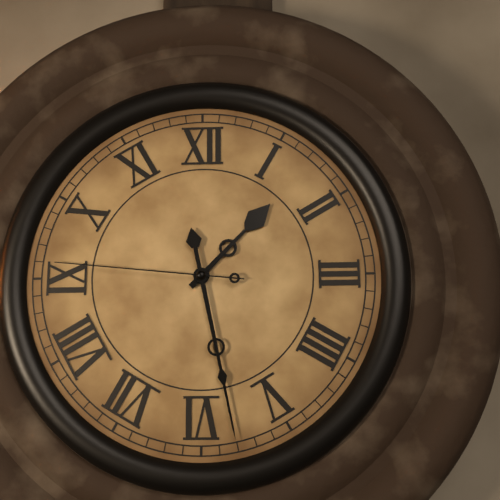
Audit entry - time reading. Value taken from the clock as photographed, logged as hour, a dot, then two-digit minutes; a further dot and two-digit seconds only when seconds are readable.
1.28.46
